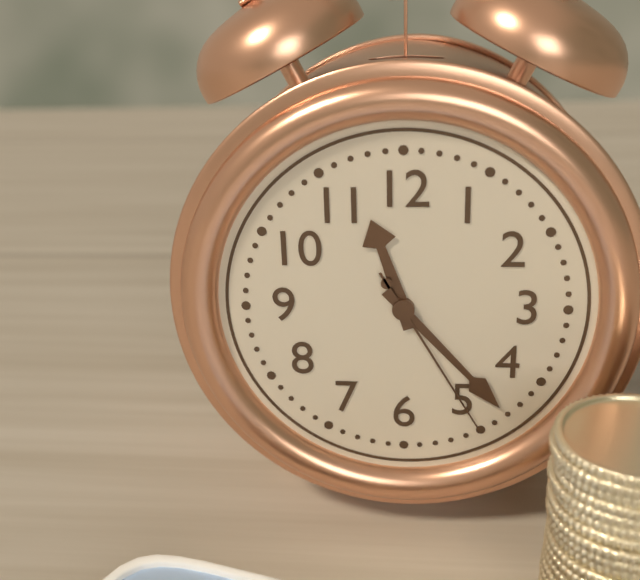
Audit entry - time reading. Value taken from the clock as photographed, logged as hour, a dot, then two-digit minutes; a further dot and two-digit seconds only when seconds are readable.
11.23.25
